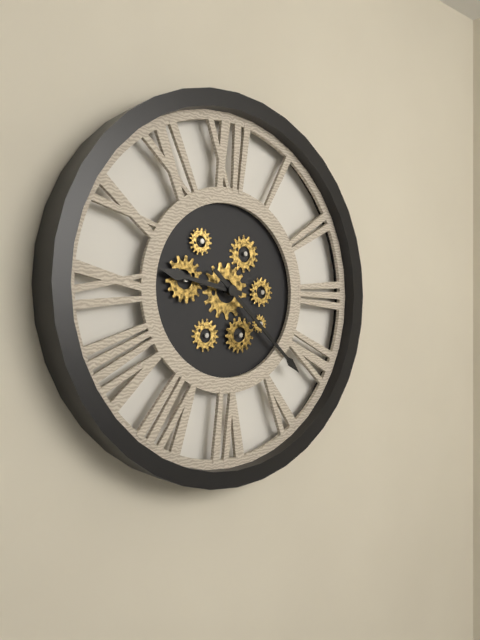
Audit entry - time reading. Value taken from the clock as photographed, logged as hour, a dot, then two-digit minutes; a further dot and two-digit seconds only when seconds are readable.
9.22
